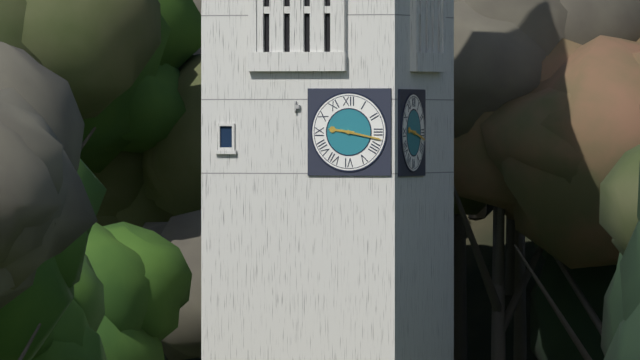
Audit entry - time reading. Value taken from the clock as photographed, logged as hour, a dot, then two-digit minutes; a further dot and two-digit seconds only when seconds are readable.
9.17
